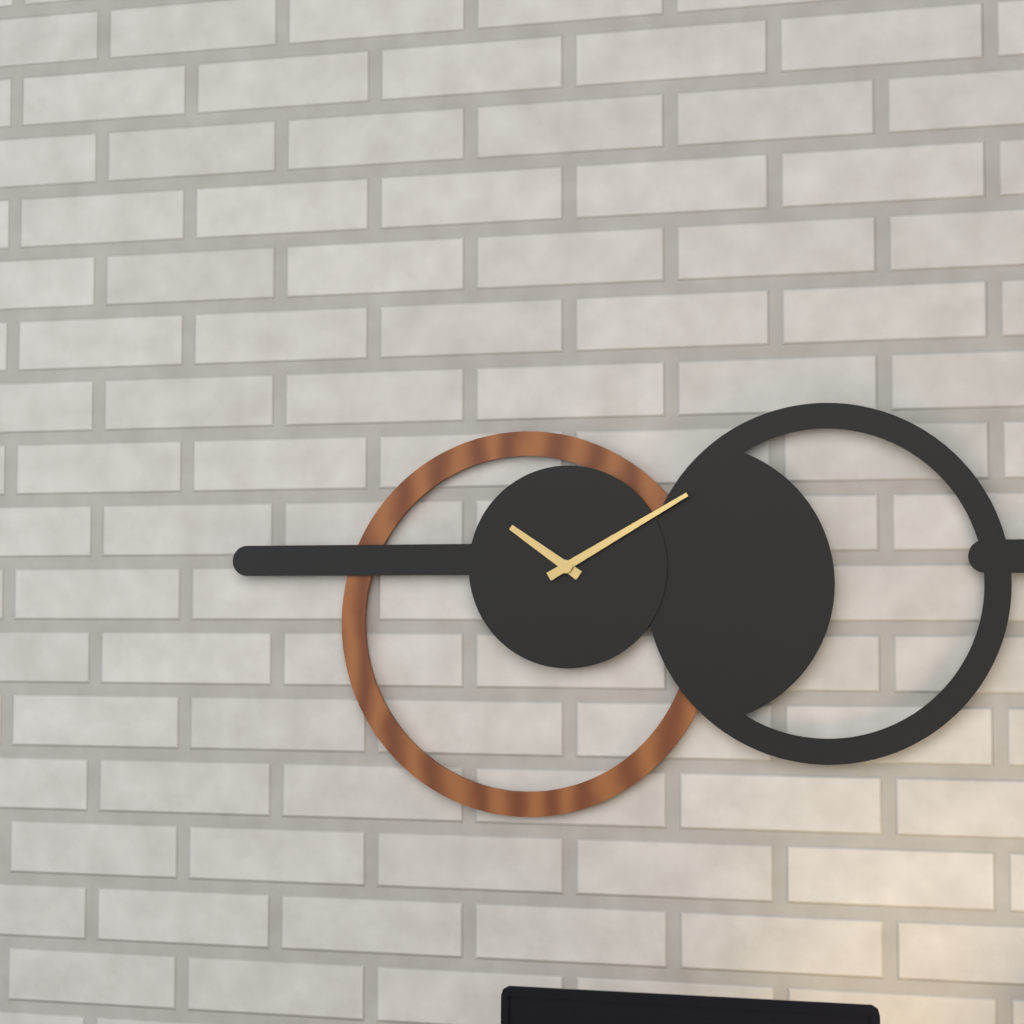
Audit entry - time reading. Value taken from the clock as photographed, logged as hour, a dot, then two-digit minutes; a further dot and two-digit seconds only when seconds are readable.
10.10
